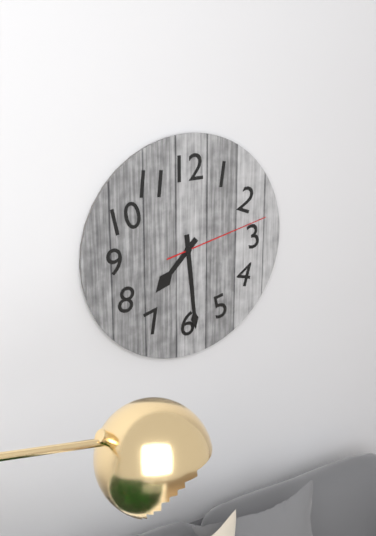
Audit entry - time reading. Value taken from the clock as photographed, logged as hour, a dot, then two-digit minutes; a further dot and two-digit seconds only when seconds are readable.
7.29.13
